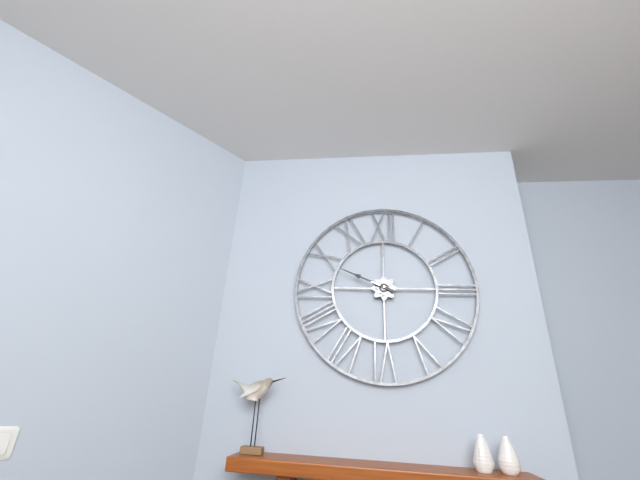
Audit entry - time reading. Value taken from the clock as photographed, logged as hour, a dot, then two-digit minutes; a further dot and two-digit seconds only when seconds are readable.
9.49
